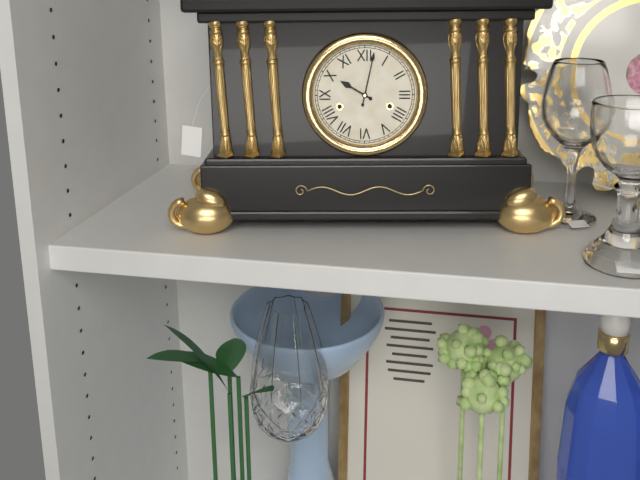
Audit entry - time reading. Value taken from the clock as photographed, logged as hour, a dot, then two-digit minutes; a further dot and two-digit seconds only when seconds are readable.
10.02
